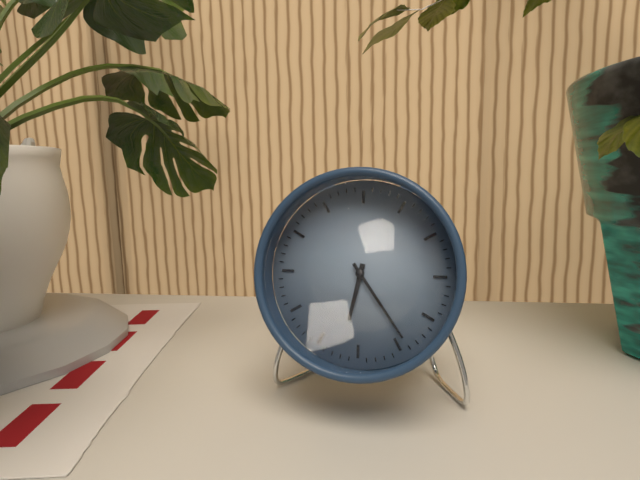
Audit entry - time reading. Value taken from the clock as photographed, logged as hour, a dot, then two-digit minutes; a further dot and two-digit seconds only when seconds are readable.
6.24
